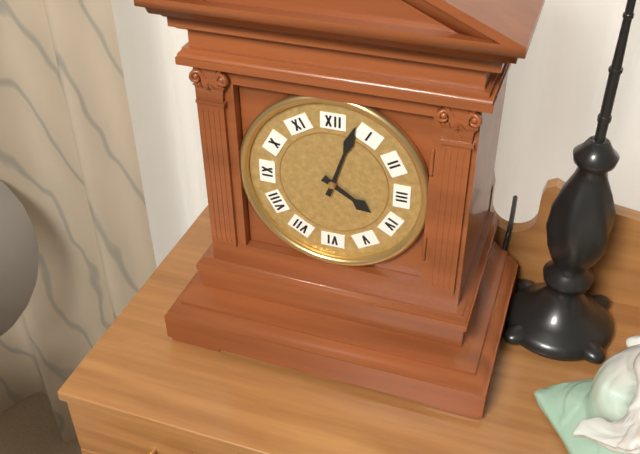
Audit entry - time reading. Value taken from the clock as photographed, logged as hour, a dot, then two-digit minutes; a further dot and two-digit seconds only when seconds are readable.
4.03
